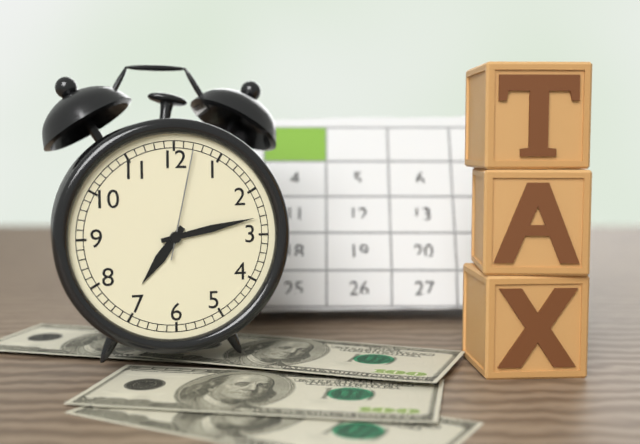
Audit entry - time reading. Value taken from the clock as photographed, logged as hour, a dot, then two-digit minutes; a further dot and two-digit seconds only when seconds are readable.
7.13.02
